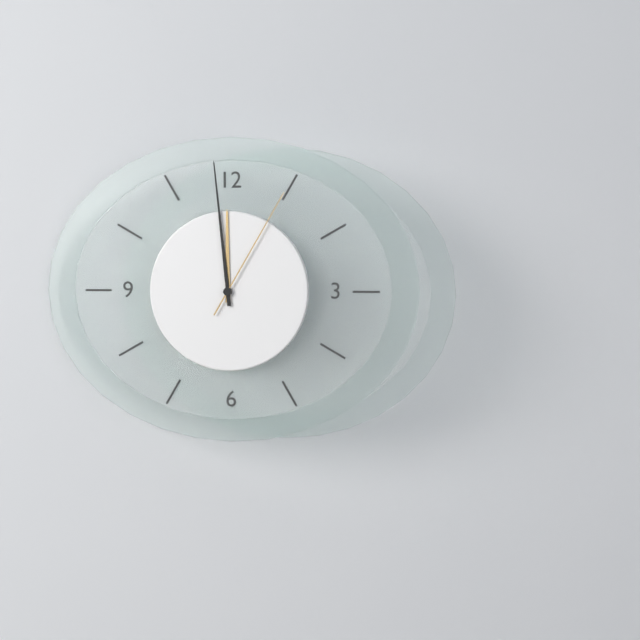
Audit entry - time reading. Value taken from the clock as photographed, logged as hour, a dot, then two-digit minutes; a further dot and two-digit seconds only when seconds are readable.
11.59.05
